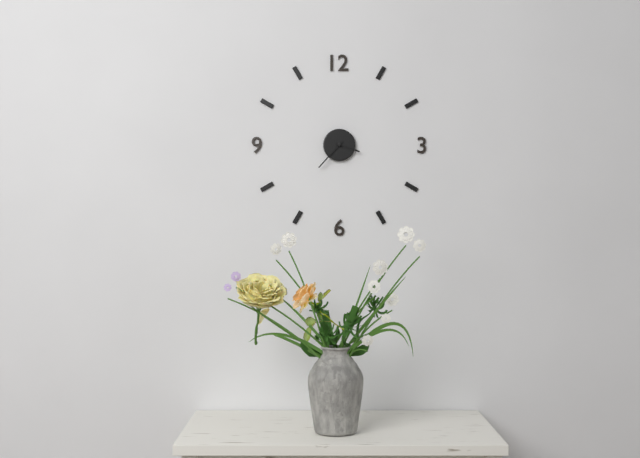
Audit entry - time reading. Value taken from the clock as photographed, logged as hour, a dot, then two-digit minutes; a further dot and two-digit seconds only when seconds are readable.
3.37
